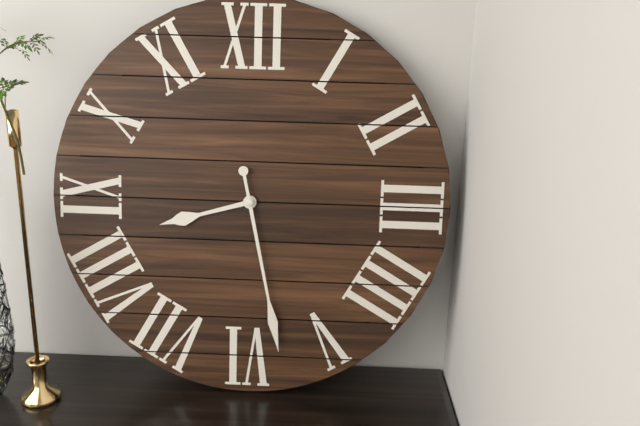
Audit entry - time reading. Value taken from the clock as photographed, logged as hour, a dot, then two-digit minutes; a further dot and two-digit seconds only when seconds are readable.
8.28
